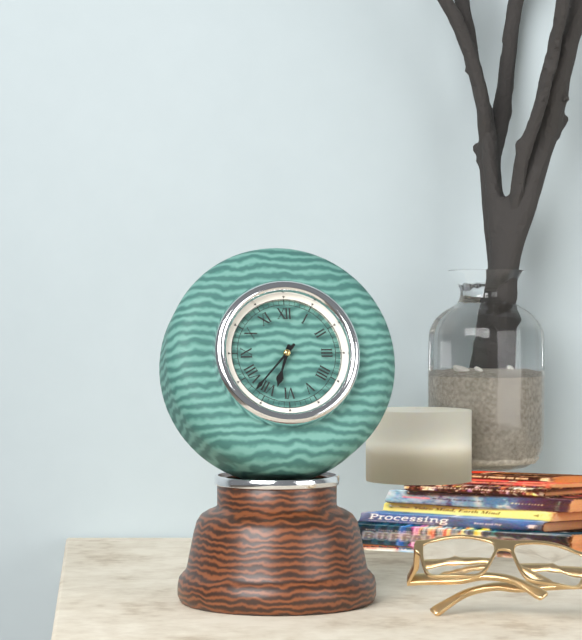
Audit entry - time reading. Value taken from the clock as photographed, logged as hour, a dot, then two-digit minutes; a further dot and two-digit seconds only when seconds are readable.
6.37
